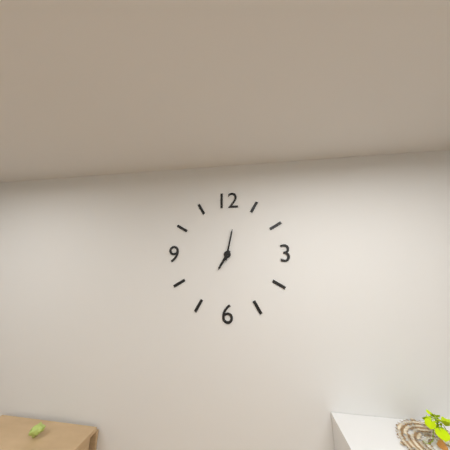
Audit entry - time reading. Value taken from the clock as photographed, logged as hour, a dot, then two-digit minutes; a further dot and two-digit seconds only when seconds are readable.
7.02
